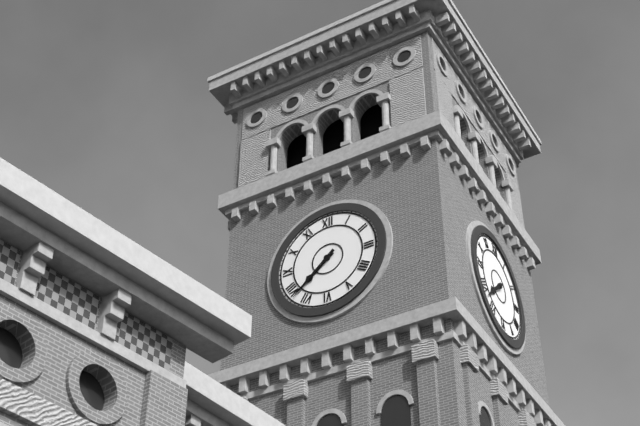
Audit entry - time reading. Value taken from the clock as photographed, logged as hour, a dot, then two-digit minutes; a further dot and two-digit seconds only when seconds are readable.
7.38
